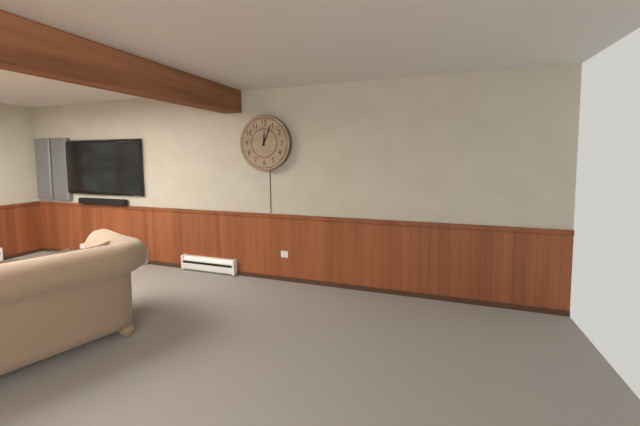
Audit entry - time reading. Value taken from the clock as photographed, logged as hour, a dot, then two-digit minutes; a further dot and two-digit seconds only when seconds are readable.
12.04
